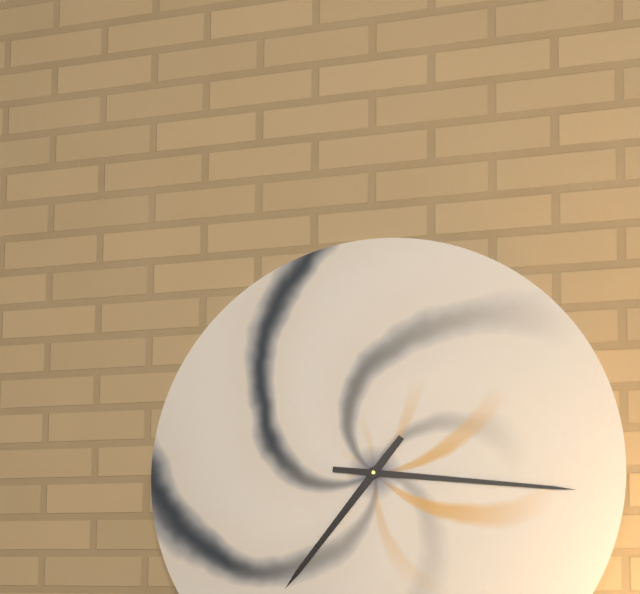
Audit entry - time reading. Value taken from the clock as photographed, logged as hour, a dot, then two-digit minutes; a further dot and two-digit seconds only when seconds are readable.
7.16
